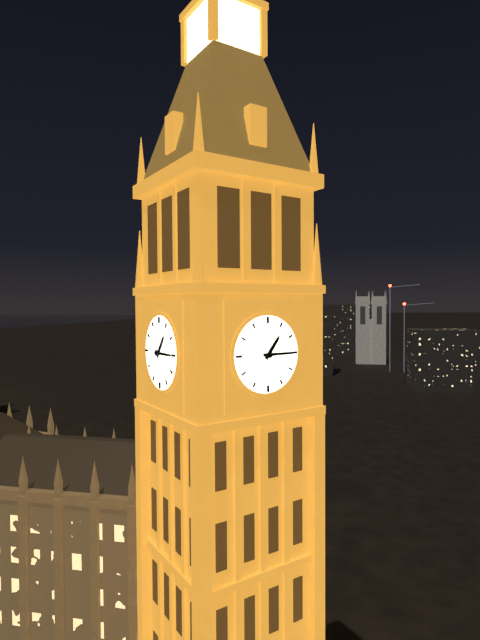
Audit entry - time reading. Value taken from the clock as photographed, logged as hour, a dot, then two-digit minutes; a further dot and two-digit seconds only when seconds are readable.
1.15
